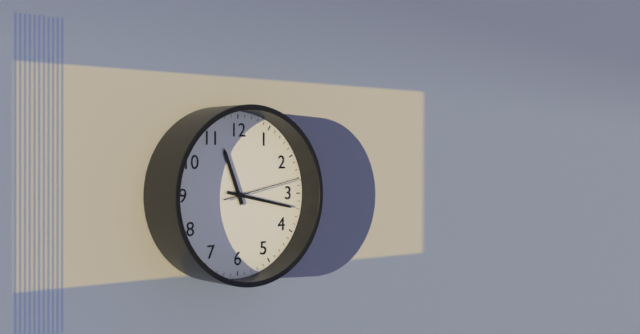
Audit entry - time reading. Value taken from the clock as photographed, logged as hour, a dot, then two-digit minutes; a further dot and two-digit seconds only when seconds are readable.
11.17.13
